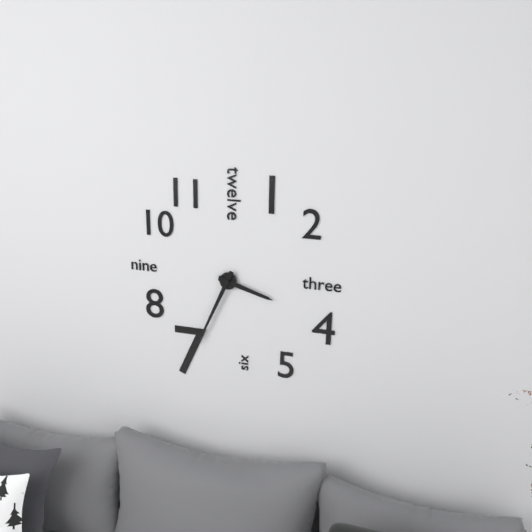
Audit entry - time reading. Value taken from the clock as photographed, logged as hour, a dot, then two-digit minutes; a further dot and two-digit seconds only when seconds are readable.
3.34
